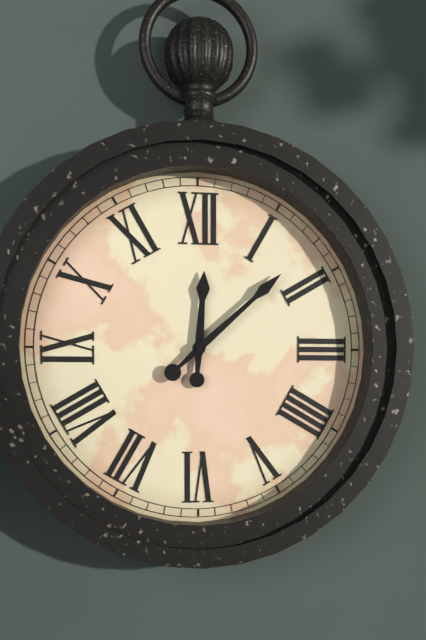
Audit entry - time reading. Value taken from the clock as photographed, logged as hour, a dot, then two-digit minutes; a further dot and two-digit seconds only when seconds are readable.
12.08
